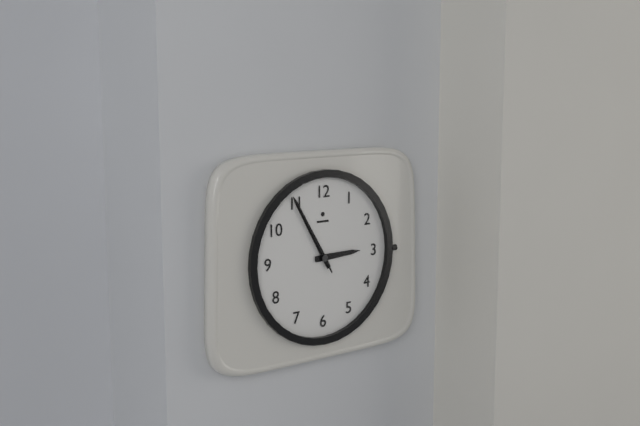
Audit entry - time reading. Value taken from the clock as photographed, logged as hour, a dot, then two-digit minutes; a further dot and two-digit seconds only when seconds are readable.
2.55.55
